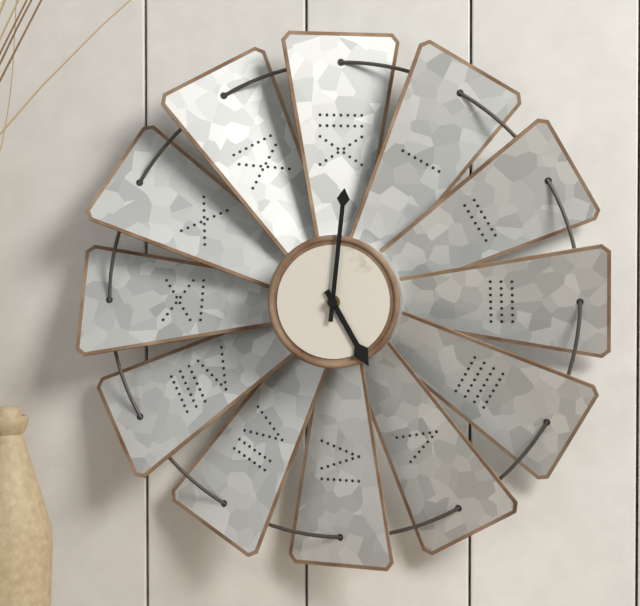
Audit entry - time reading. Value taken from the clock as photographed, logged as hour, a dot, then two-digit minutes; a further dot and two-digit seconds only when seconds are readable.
5.01
